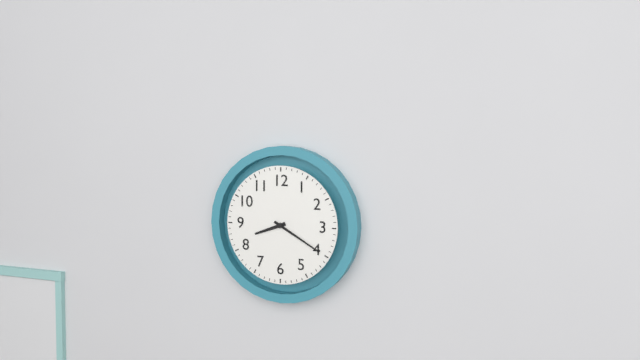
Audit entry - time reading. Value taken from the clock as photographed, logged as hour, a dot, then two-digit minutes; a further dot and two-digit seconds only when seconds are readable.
8.20
